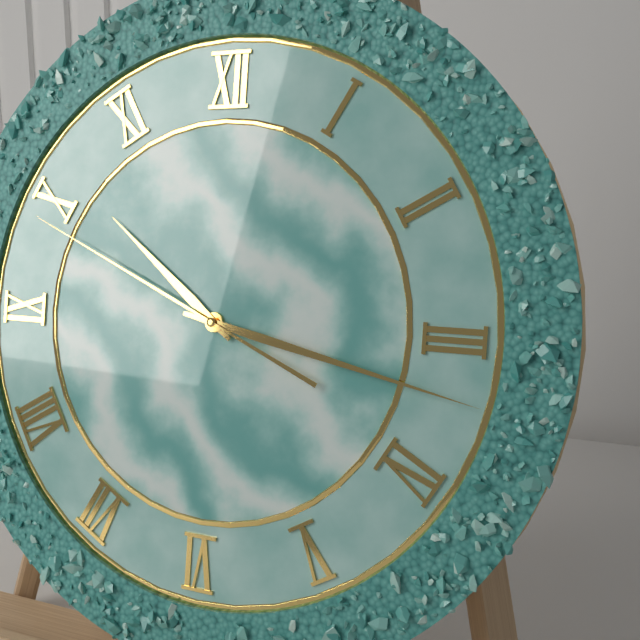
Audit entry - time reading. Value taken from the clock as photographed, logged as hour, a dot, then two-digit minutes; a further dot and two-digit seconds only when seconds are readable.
10.17.49
